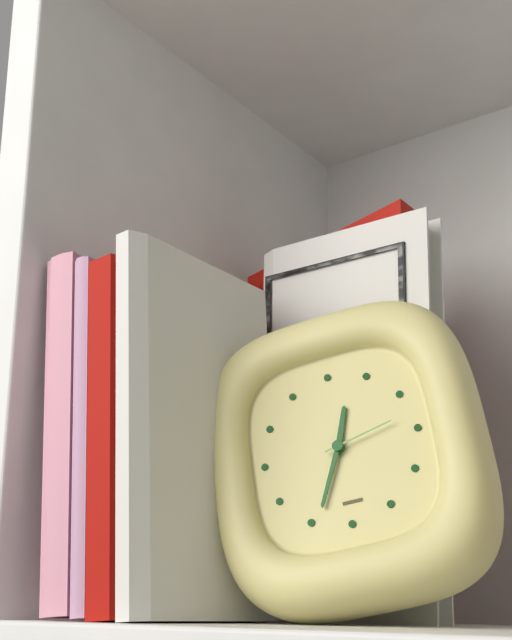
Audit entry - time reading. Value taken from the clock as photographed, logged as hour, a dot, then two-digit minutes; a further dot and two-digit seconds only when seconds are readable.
12.34.13
